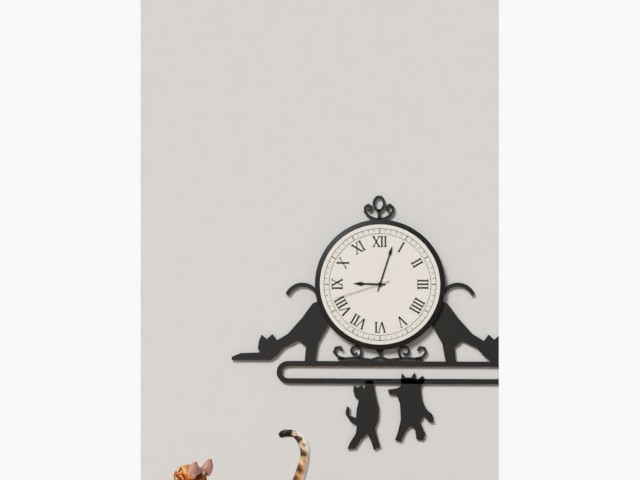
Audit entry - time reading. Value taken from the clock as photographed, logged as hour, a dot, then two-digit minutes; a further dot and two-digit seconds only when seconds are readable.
9.03.42
